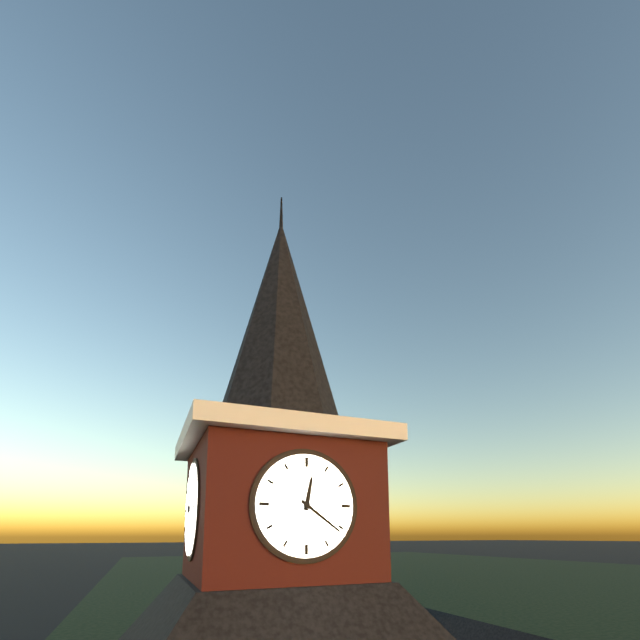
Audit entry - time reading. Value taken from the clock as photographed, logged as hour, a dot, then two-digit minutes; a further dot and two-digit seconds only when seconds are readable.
12.21
